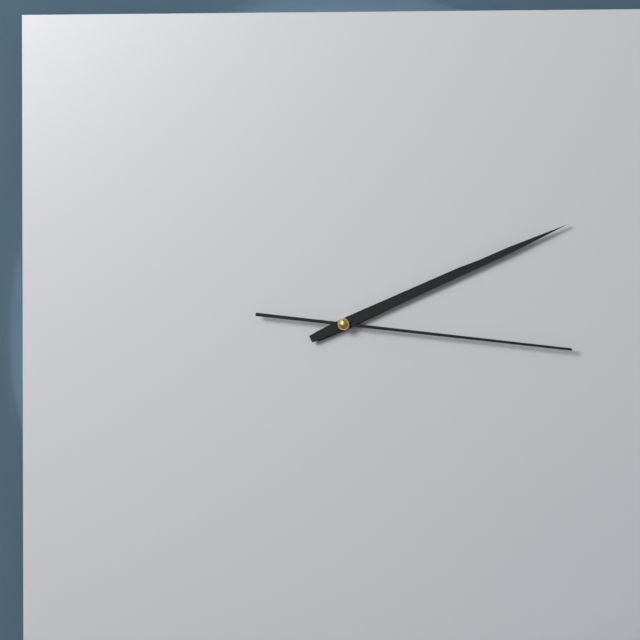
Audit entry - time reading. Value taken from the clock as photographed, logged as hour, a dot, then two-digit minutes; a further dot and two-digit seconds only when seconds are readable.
2.11.16
